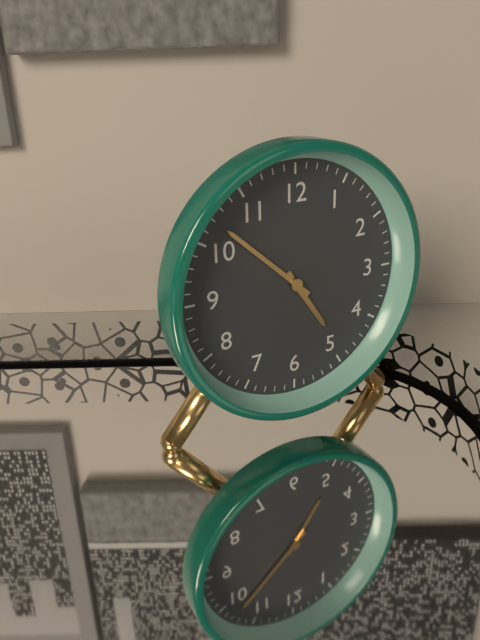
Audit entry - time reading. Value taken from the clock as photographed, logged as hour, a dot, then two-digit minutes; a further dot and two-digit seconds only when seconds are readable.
4.52
